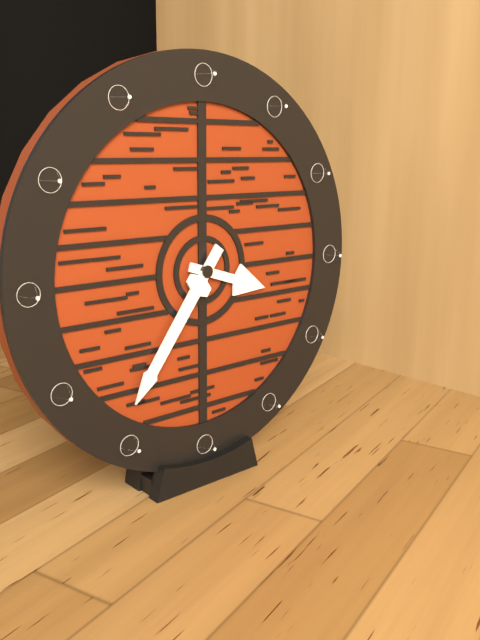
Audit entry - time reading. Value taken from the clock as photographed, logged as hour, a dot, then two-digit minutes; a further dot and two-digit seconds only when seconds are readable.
3.36
